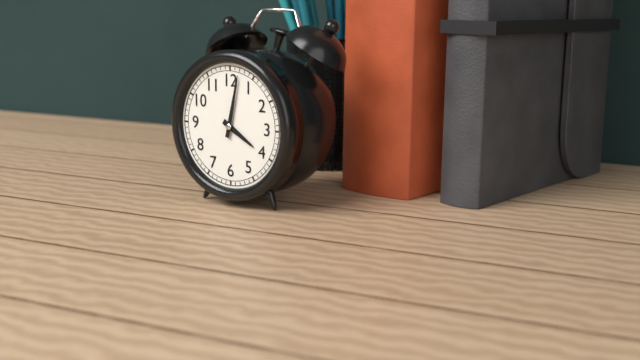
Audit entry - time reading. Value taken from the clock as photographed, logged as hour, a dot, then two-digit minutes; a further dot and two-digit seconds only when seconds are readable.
4.02
